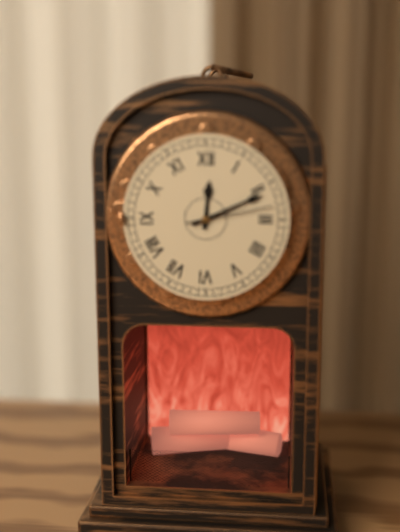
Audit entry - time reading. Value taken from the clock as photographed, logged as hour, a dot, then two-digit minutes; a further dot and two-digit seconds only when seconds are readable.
12.11.13
